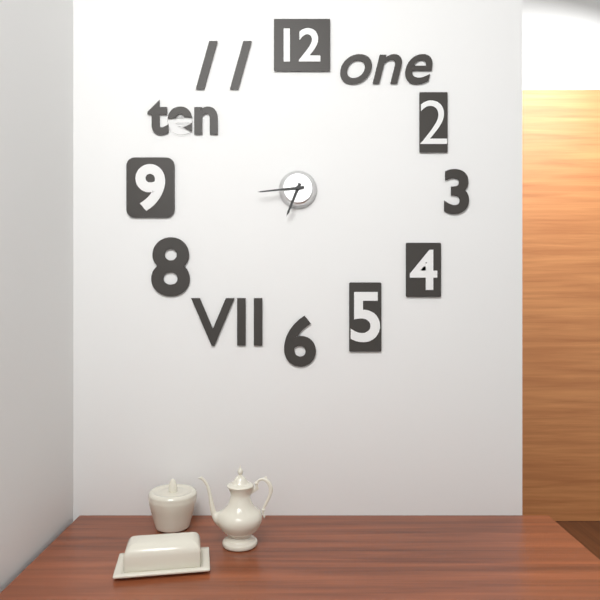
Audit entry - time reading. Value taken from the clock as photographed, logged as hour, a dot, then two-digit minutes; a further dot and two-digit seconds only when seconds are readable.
6.44
